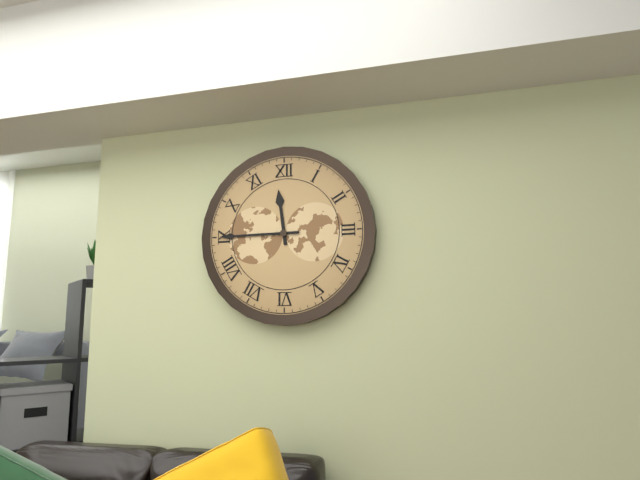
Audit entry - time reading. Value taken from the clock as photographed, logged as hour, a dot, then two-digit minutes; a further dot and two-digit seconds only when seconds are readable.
11.45
